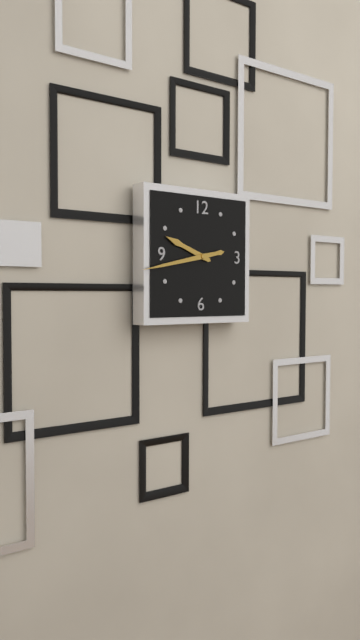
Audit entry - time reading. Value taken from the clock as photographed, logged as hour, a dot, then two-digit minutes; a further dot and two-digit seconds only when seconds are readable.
9.43
